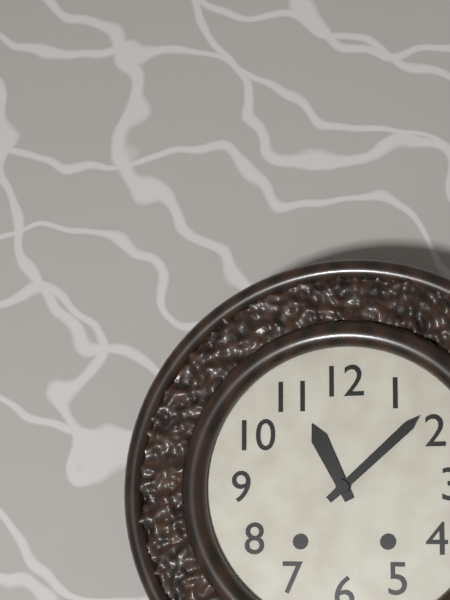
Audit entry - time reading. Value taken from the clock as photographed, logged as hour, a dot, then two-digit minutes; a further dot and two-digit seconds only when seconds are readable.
11.08
